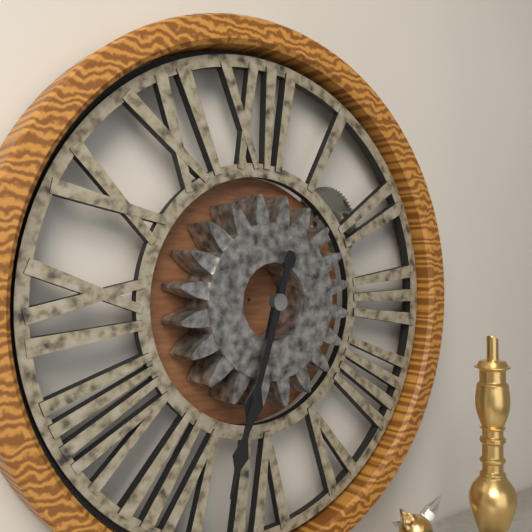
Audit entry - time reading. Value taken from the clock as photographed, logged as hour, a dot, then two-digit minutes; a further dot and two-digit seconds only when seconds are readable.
6.33
